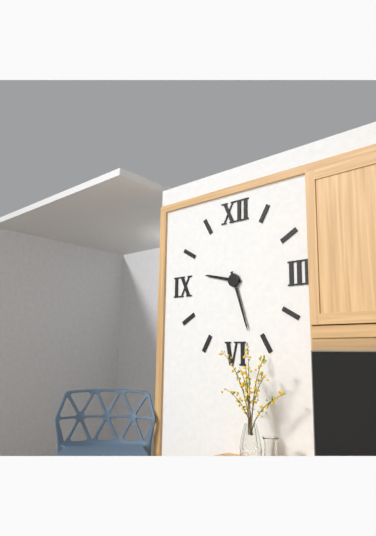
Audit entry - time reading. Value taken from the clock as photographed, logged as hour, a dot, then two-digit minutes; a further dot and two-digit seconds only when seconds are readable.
9.27
